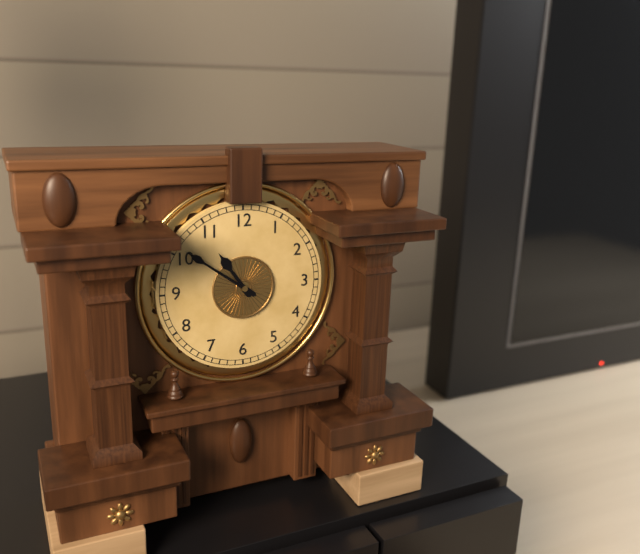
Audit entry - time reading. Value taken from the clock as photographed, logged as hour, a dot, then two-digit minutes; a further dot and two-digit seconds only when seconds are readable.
10.51
